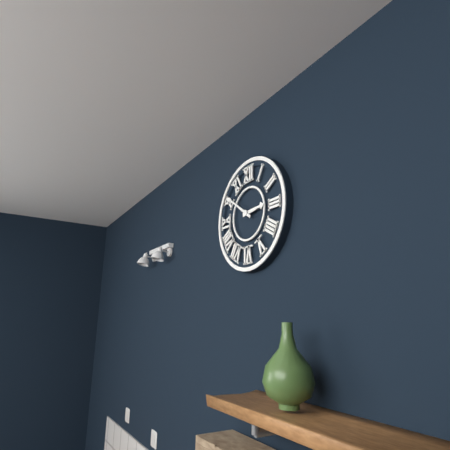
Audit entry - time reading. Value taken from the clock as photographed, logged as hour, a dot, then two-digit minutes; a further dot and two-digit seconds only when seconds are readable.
2.51
